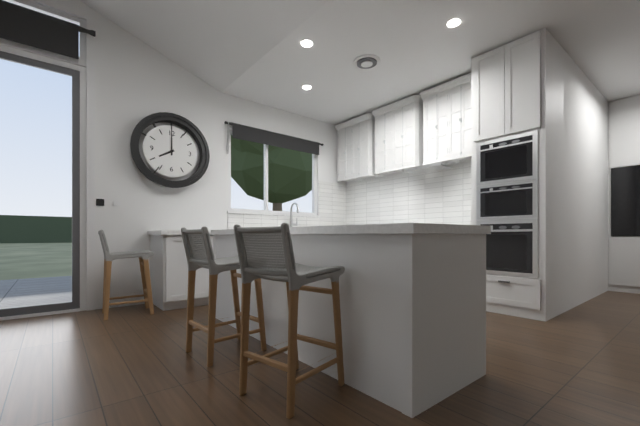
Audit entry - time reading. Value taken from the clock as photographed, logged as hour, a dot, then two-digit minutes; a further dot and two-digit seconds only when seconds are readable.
8.00
